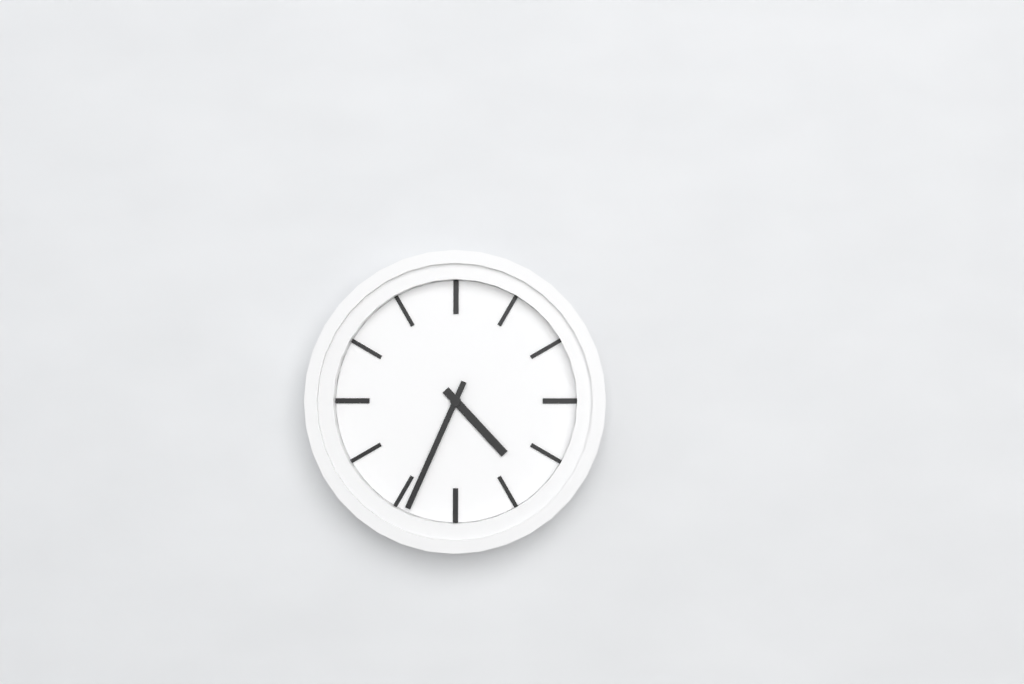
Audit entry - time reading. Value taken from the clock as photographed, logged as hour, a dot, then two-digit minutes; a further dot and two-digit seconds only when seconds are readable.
4.34
